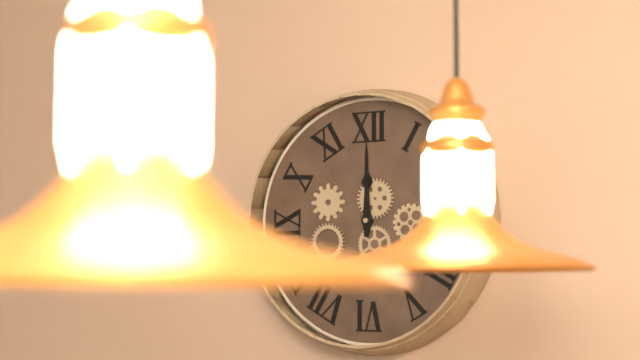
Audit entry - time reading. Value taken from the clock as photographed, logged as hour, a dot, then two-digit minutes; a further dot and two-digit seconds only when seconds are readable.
12.00
